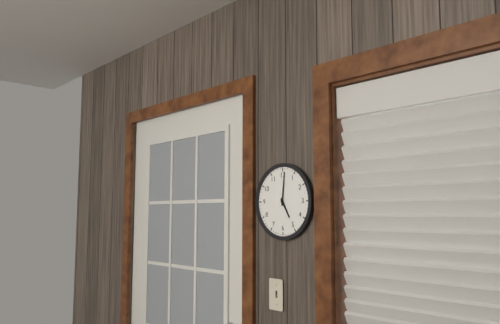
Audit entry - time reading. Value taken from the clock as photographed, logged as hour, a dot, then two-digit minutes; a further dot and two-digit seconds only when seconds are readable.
5.01
